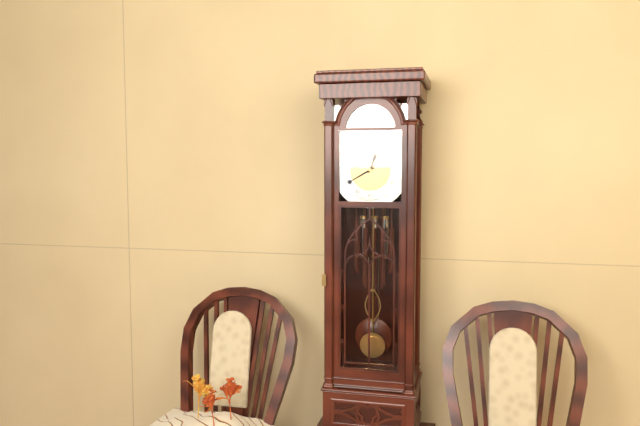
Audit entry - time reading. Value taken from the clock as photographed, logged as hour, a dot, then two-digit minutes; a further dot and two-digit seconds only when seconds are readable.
12.40
